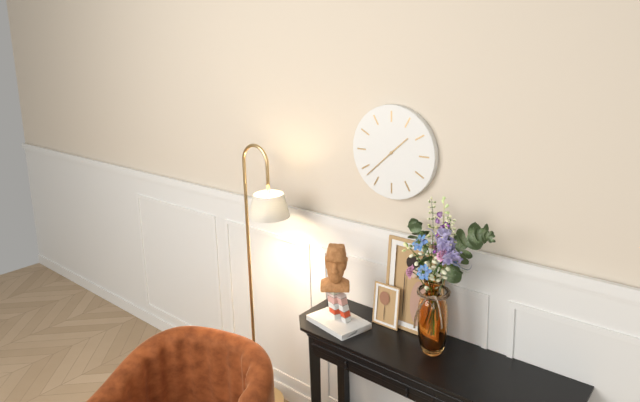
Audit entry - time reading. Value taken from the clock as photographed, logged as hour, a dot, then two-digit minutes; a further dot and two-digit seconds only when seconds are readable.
1.38
